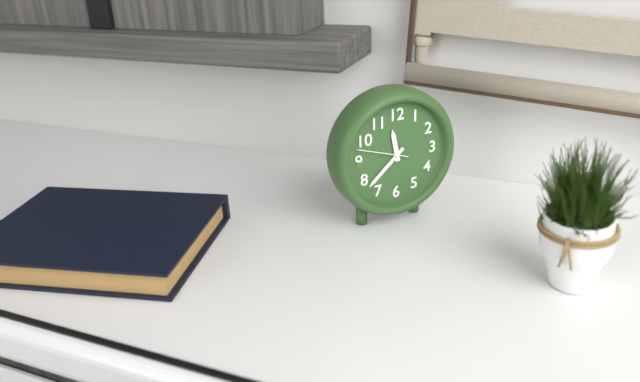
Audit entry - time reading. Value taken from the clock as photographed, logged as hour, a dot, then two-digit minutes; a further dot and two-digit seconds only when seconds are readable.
11.38.48
